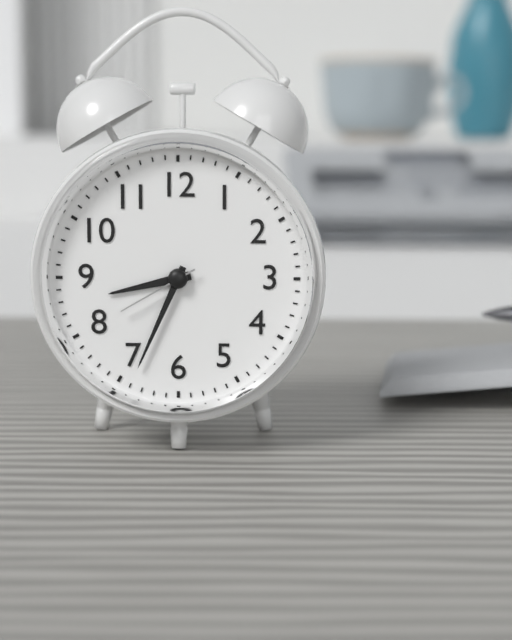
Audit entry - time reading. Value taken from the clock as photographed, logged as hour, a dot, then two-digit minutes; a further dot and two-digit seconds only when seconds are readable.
8.34.40
